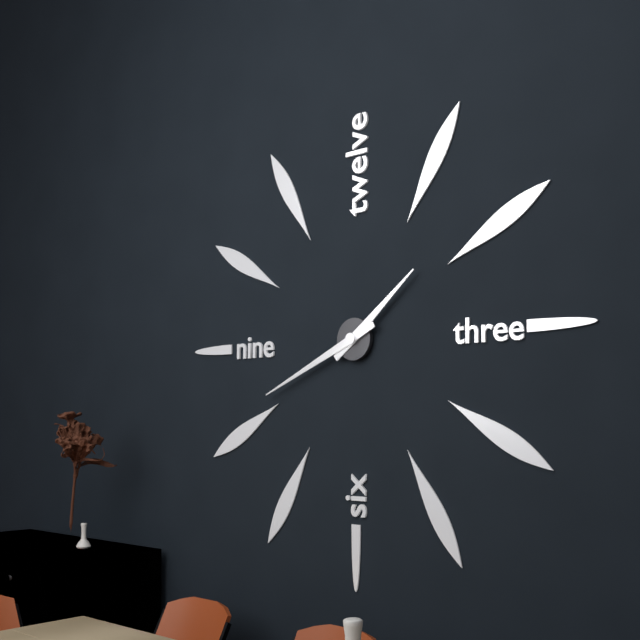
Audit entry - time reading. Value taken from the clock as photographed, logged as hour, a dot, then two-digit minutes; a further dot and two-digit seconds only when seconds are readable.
1.41
